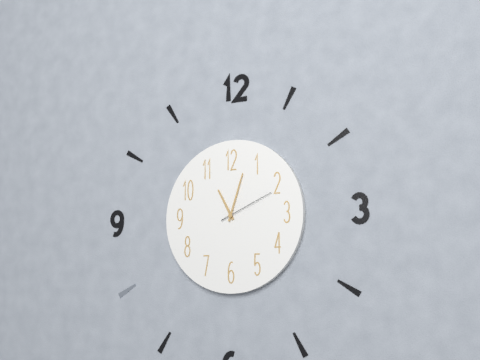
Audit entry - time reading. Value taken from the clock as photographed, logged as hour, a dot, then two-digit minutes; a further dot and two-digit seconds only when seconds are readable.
11.03.11
